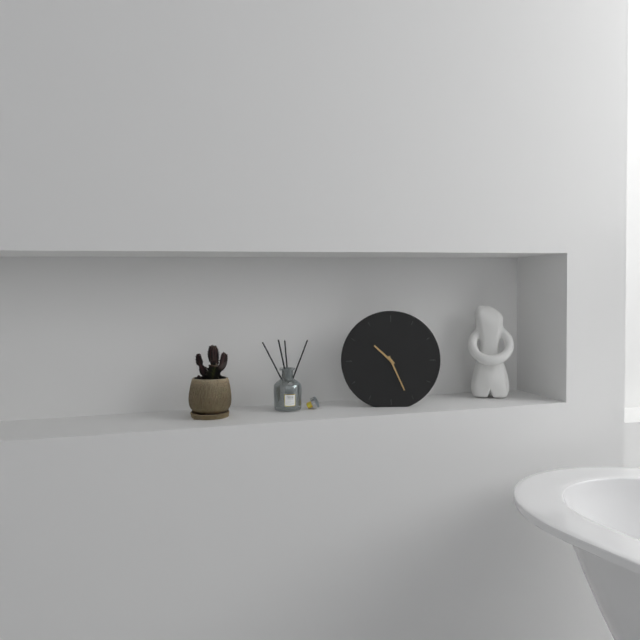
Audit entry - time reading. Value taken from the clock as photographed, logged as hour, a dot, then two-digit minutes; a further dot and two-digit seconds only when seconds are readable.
10.26
